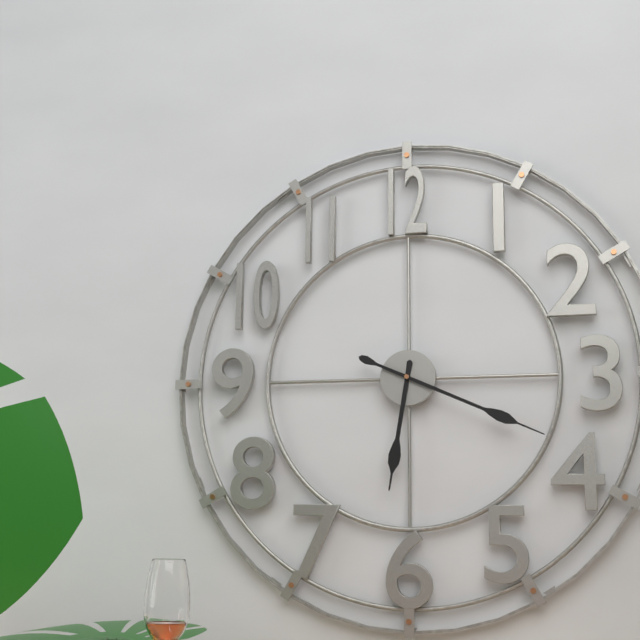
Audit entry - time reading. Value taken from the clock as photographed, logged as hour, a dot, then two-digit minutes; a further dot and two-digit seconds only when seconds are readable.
6.19
